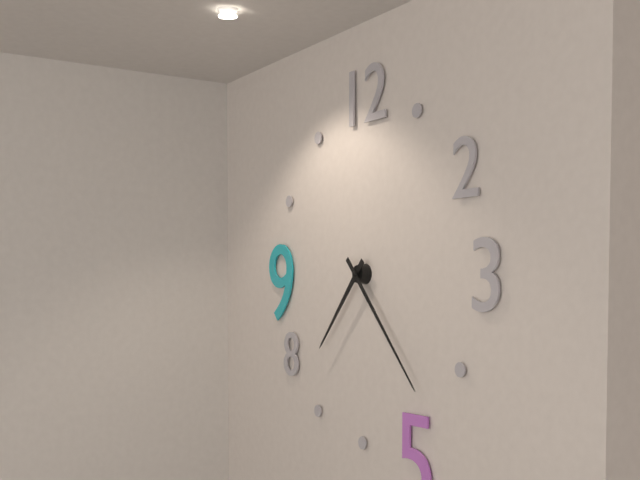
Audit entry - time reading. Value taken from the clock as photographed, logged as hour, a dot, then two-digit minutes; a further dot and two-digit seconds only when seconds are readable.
7.23
